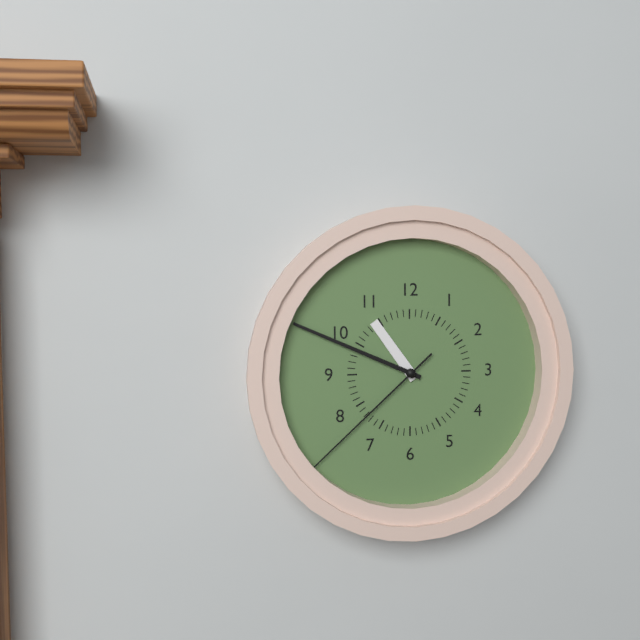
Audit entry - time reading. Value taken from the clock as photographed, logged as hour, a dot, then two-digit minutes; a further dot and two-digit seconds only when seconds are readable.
10.49.38
